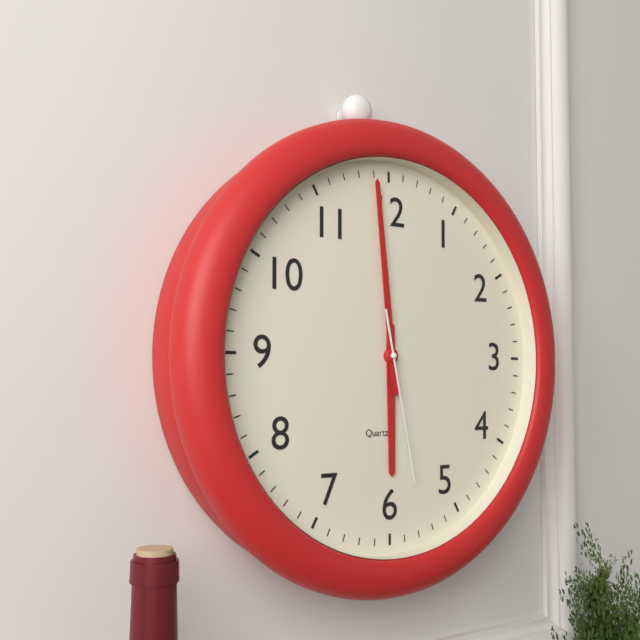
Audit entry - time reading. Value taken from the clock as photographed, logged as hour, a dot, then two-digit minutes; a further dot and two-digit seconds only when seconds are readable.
5.59.28
